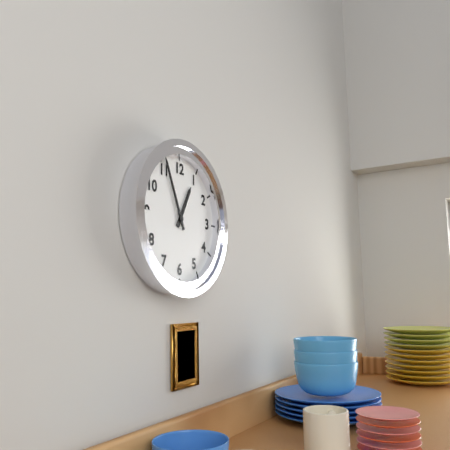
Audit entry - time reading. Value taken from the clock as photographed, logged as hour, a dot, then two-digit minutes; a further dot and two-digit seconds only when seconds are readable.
12.56
